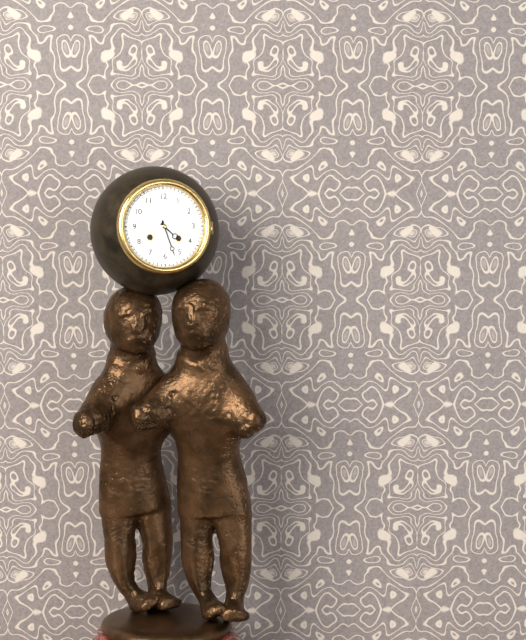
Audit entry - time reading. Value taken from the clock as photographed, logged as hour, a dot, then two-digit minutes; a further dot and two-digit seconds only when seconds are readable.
4.27
